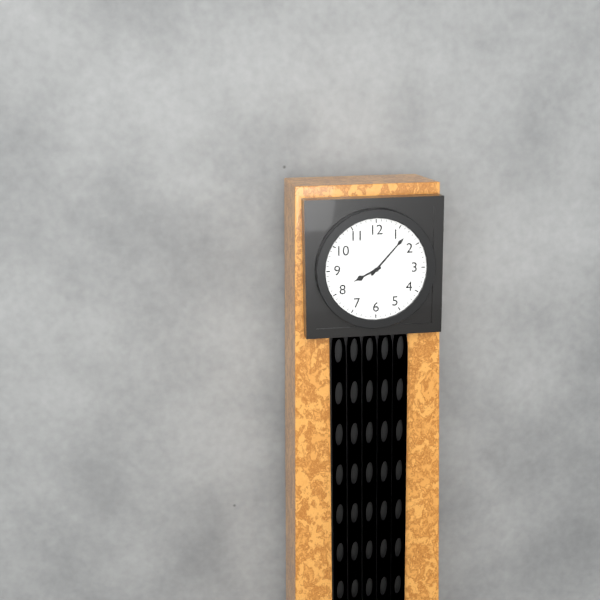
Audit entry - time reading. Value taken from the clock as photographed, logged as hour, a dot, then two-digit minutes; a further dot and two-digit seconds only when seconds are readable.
8.07
